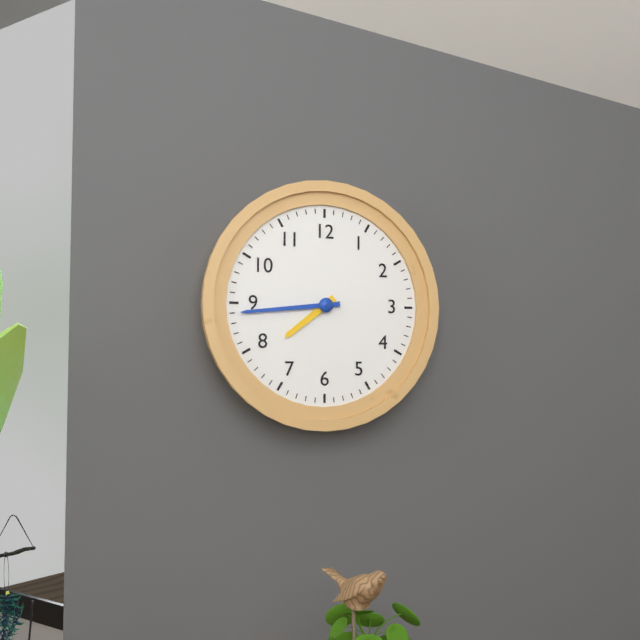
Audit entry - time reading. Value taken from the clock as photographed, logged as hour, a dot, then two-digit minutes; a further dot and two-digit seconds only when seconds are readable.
7.44
